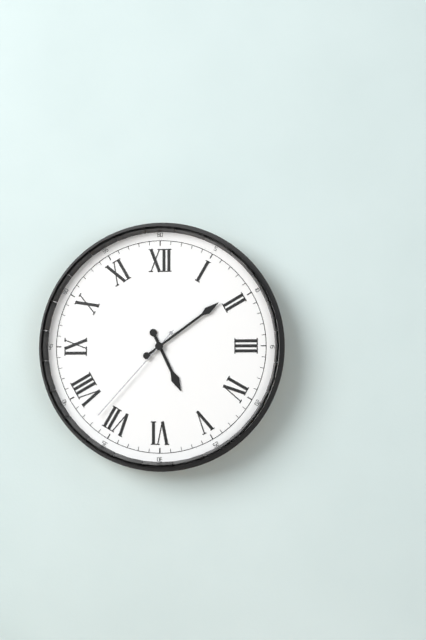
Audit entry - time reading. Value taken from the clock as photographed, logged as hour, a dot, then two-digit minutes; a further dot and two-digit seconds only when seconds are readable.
5.09.37
